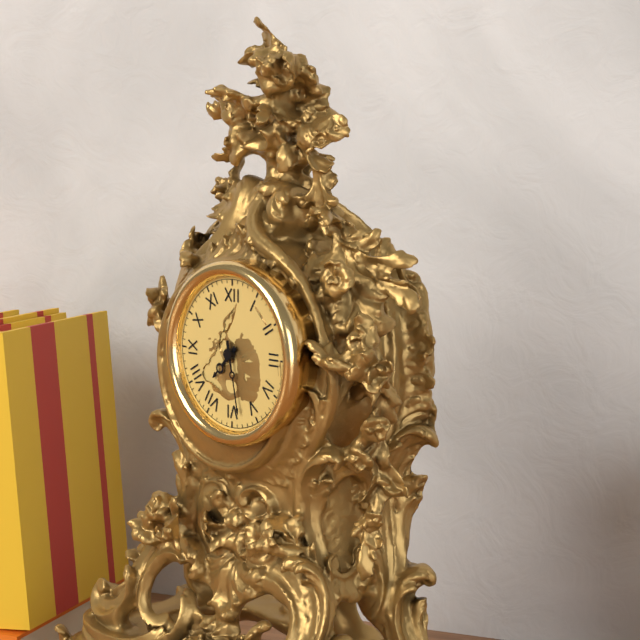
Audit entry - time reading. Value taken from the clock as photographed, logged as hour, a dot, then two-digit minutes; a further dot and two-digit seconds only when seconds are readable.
7.28
